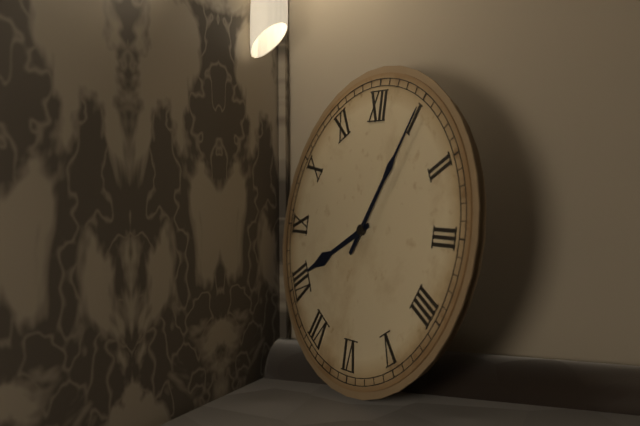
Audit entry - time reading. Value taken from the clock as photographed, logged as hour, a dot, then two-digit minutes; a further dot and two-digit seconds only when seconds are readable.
8.05
